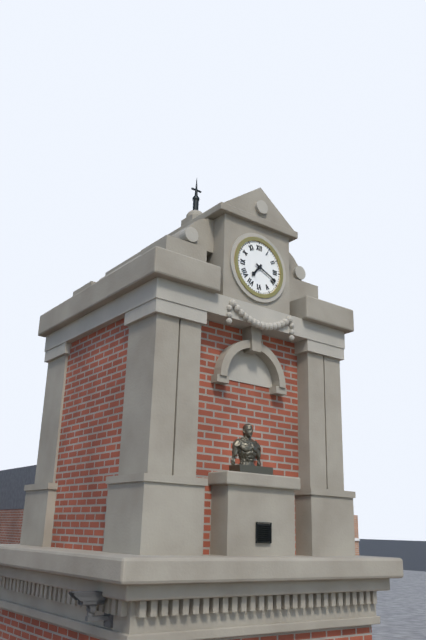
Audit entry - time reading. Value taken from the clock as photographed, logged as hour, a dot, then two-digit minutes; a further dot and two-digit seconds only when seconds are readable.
7.19
